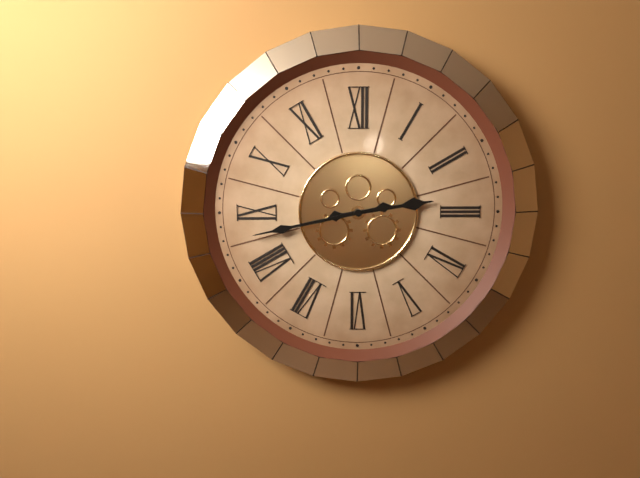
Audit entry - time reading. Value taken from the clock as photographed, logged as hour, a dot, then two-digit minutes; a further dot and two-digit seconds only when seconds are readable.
2.43
